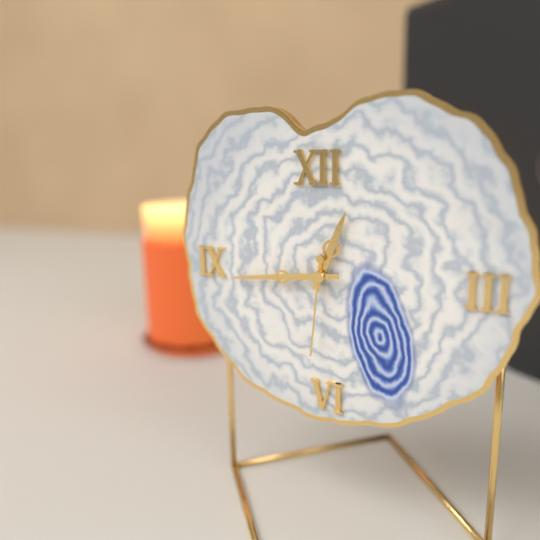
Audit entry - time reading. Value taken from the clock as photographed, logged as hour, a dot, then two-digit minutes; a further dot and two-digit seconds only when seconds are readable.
12.44.31
